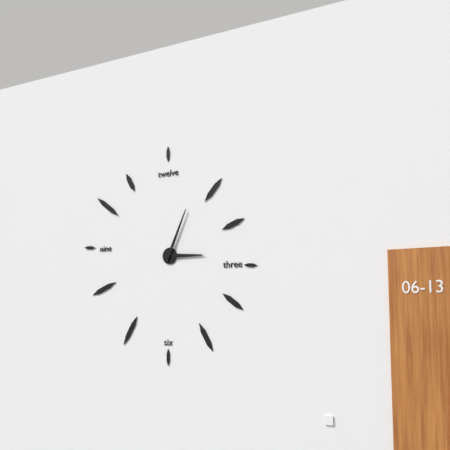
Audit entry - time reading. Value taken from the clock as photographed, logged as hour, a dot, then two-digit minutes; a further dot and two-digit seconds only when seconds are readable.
3.04
